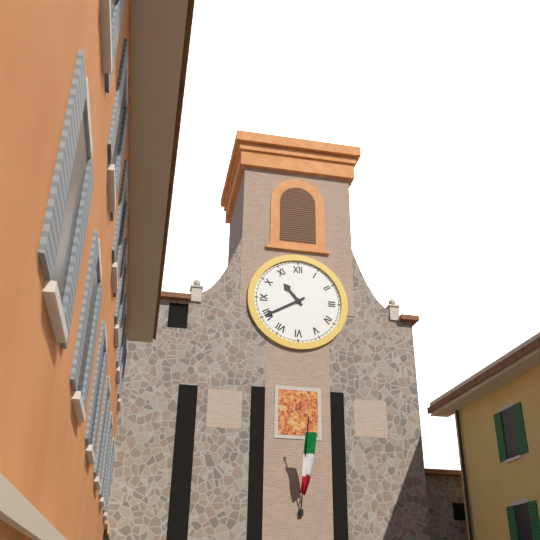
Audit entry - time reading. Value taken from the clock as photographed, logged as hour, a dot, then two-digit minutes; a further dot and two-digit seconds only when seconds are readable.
10.40
